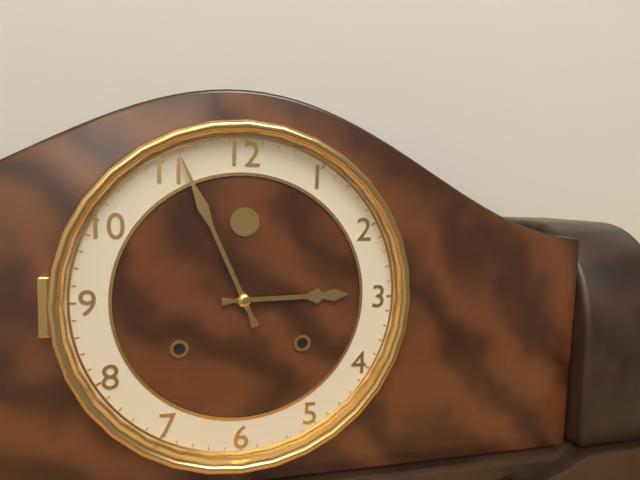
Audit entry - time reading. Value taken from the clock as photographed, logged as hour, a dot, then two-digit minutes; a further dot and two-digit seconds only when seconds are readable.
2.56
